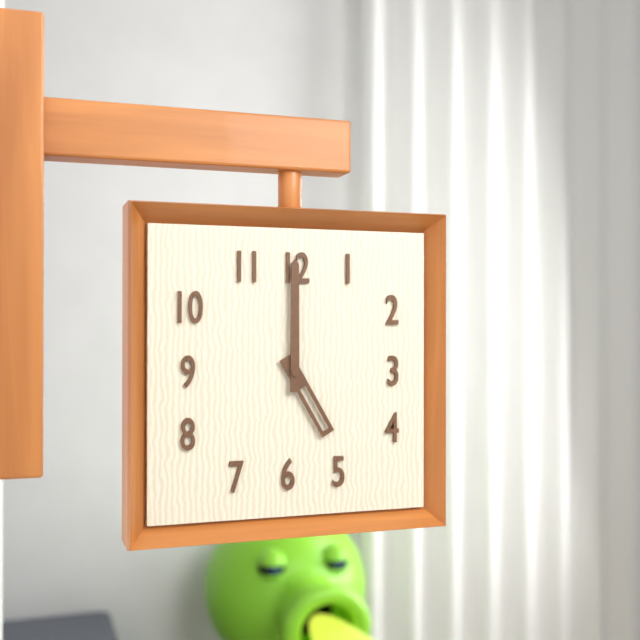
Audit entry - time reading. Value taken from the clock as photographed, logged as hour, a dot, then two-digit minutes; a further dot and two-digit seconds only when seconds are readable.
5.00
